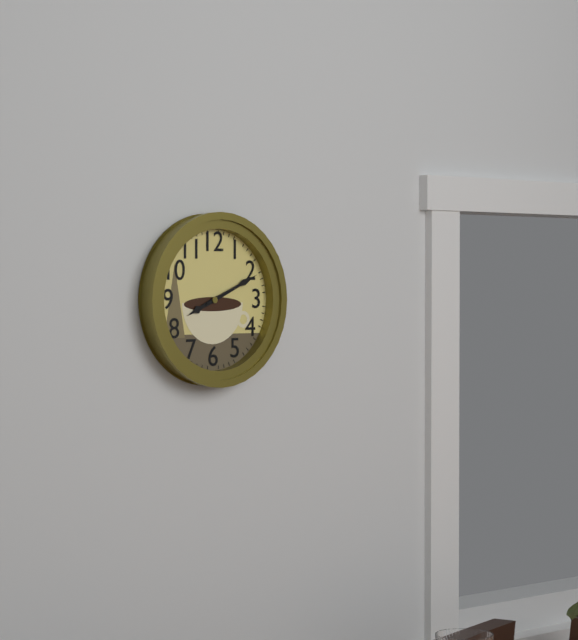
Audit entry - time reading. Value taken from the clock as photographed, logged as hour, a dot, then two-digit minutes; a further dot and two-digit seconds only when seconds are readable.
8.11
